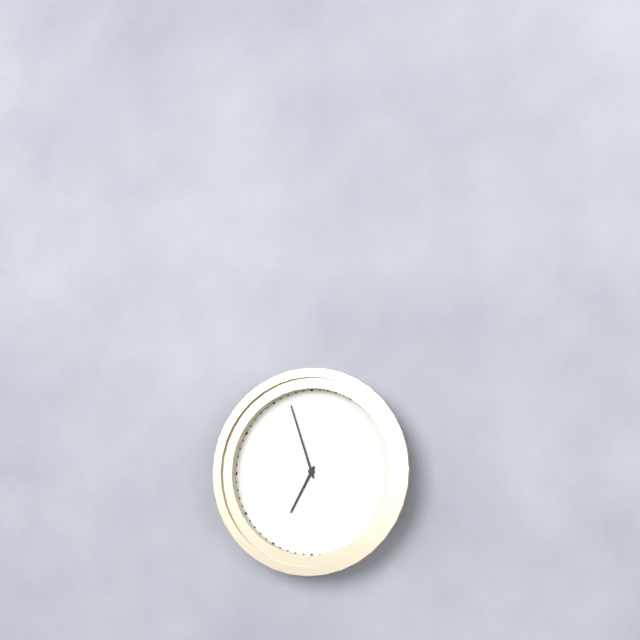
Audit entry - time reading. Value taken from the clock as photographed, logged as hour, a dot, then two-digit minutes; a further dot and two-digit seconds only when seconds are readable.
6.57
